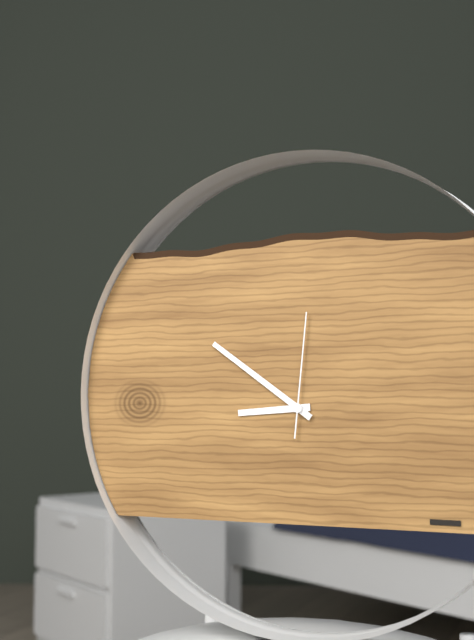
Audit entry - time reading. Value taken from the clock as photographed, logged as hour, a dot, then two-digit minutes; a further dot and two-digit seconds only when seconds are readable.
8.51.01
